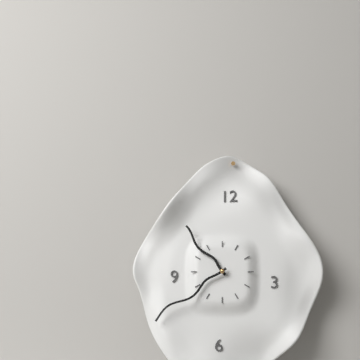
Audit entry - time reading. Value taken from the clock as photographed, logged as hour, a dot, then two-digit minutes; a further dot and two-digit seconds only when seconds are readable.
10.39
